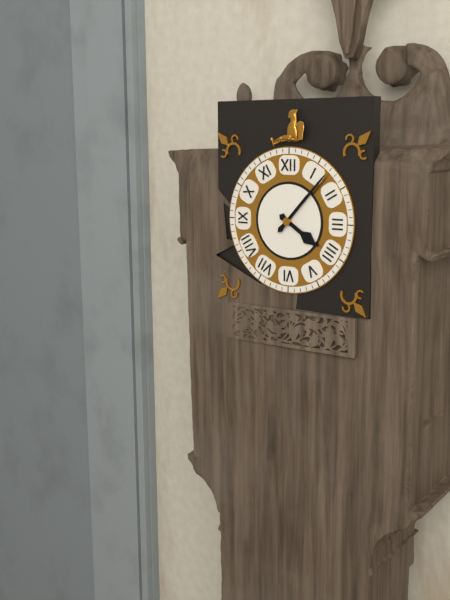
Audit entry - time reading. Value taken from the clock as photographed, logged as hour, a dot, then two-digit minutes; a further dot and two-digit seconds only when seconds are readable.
4.07
